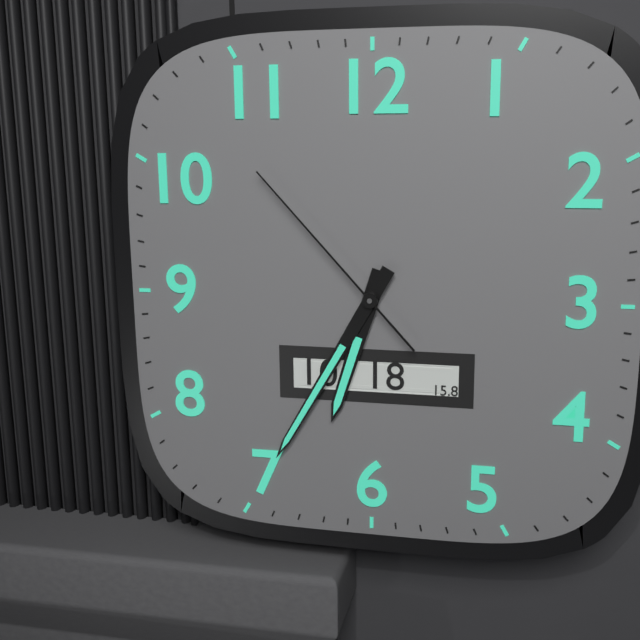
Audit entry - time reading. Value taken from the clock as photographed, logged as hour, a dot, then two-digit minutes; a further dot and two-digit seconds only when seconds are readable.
6.35.53
